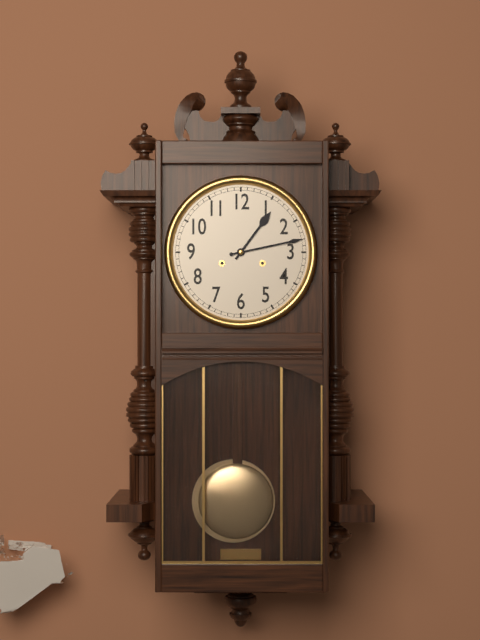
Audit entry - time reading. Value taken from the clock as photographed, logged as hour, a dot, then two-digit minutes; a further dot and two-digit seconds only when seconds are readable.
1.13
